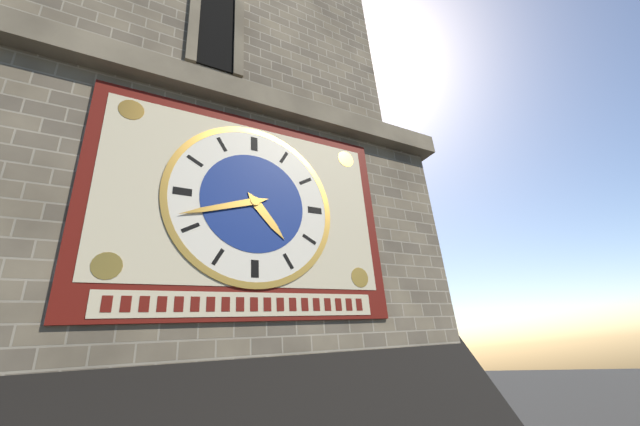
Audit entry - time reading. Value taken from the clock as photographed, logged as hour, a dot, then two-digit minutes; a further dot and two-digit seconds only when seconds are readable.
4.42
